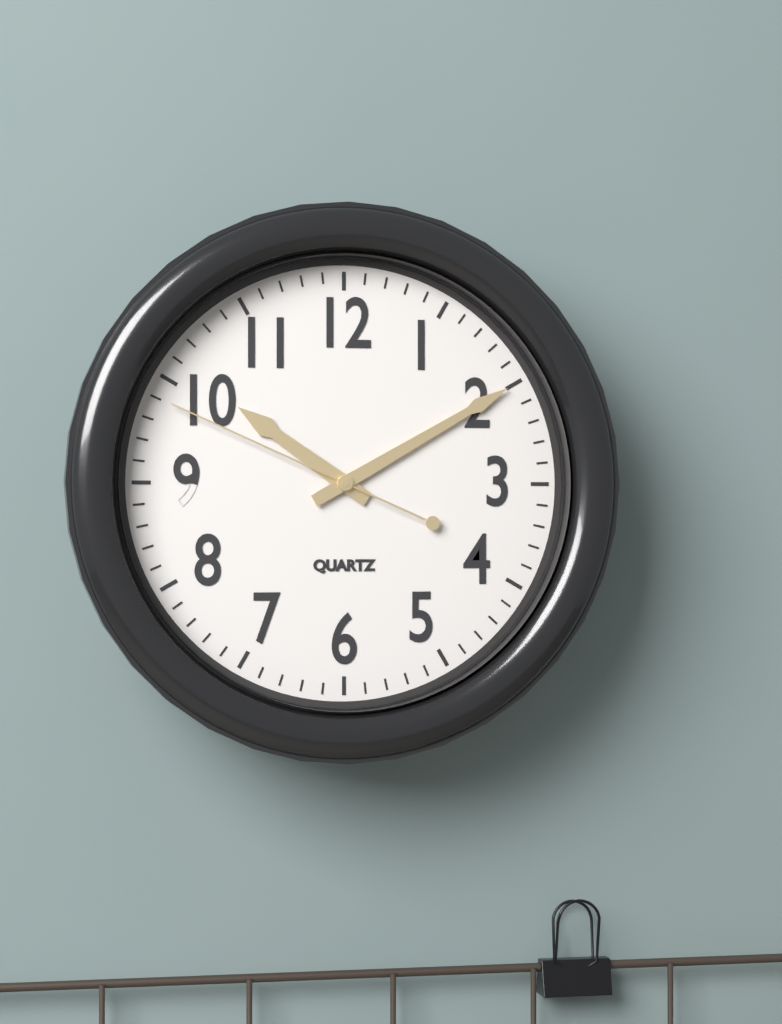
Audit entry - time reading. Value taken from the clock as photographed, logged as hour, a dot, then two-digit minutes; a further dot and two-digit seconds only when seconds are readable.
10.10.49
